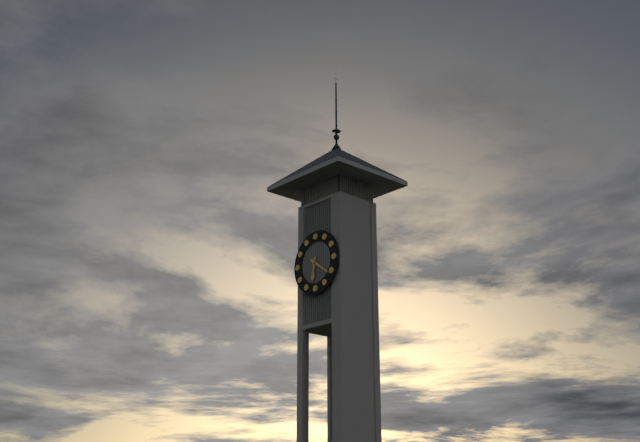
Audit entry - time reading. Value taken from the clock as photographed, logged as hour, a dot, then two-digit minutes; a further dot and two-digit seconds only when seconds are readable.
6.21
